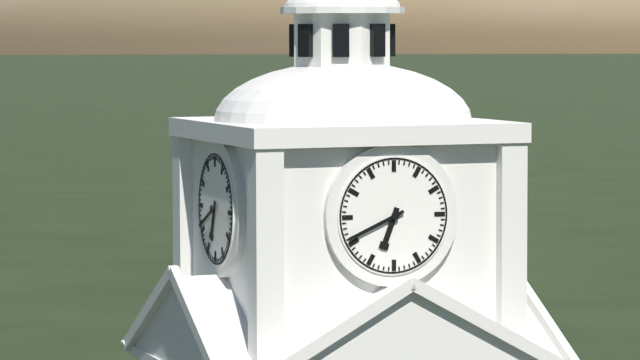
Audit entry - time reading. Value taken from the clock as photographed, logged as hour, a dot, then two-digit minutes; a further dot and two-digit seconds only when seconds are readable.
6.41
